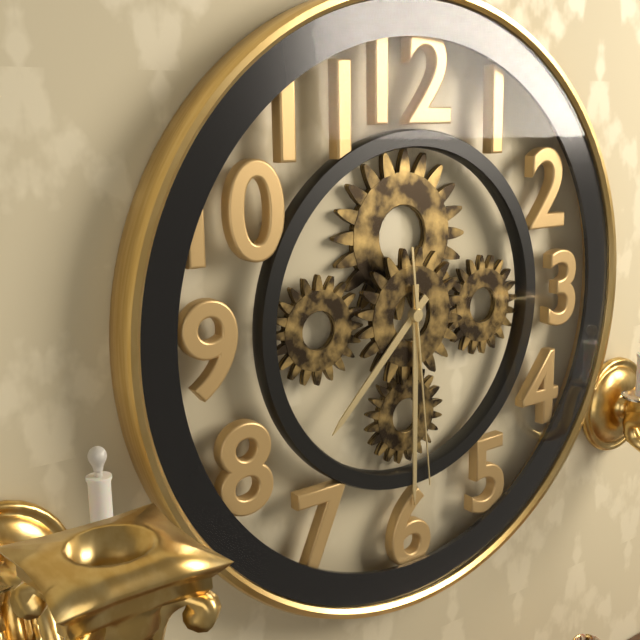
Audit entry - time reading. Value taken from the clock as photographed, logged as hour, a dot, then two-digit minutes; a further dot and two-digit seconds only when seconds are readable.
7.30.29
